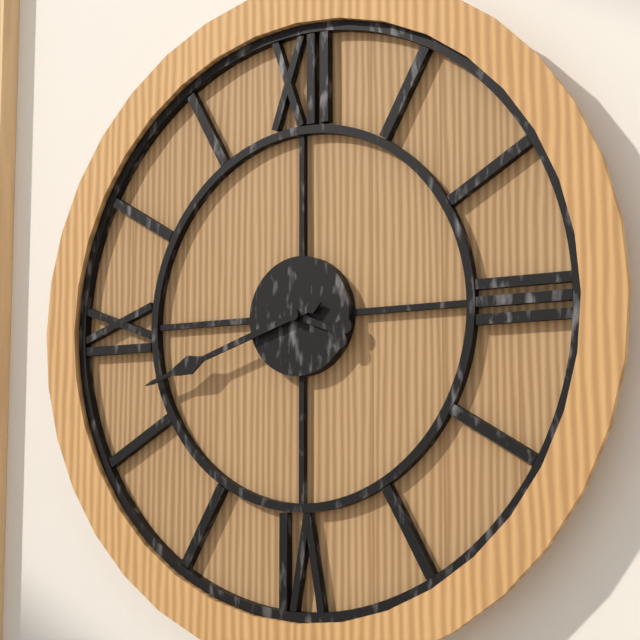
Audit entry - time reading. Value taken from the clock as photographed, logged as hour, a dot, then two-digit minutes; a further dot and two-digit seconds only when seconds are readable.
3.42
